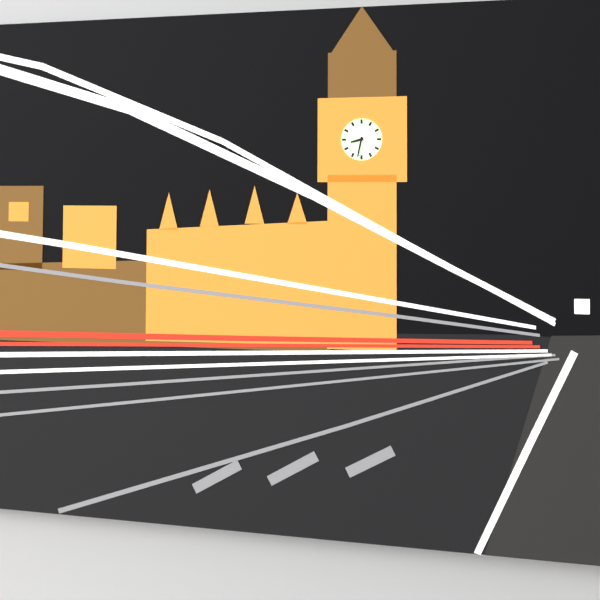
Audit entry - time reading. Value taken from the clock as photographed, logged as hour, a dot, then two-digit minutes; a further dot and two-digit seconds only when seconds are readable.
8.32
